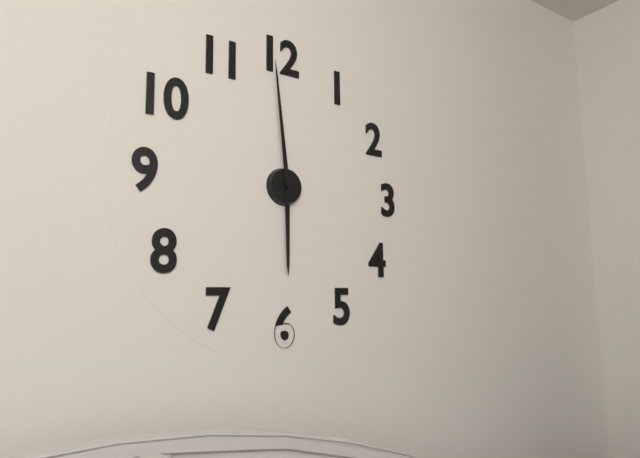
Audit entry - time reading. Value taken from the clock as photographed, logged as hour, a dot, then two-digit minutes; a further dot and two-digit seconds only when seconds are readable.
5.59
